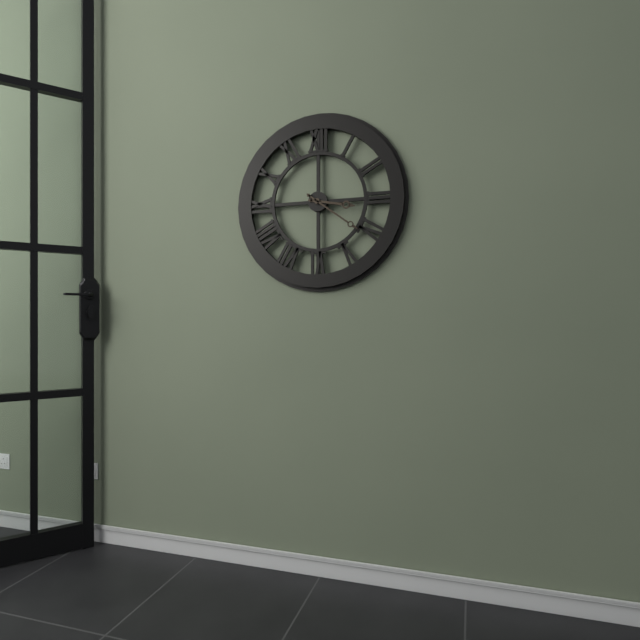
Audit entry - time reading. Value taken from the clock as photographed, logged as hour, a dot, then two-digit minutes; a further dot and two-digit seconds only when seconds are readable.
3.21
